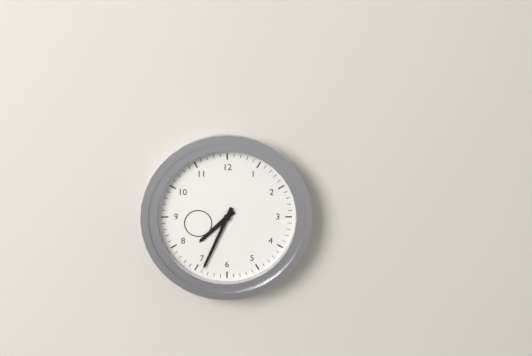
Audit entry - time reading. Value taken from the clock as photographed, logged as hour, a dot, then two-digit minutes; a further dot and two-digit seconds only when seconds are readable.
7.34
